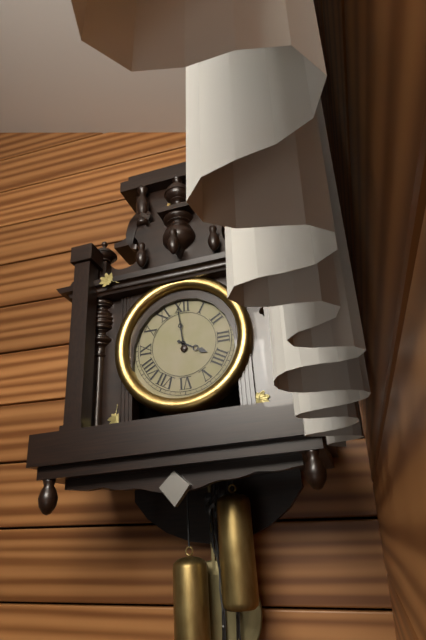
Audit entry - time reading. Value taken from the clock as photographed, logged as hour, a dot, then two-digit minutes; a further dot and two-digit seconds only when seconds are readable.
3.59
